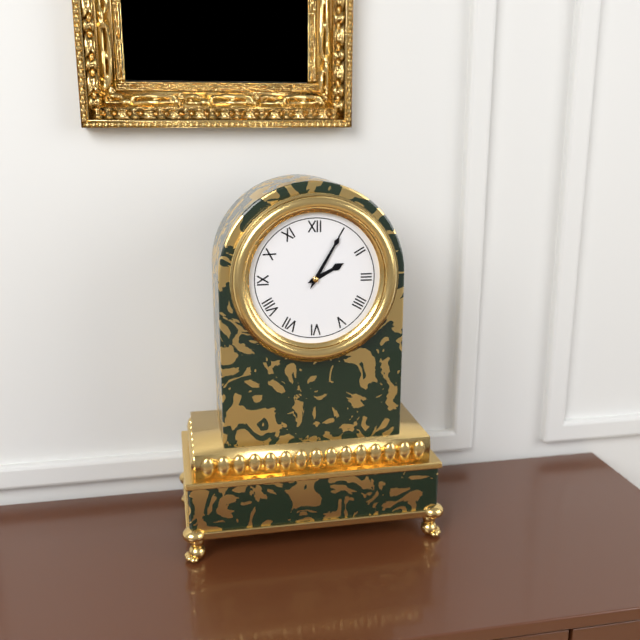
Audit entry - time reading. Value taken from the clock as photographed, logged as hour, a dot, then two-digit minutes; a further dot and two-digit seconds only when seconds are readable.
2.05
